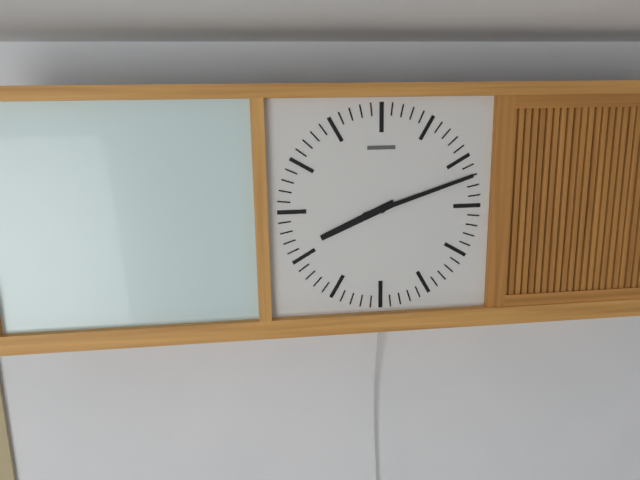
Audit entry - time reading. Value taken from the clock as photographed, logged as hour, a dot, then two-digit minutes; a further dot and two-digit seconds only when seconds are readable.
8.12
